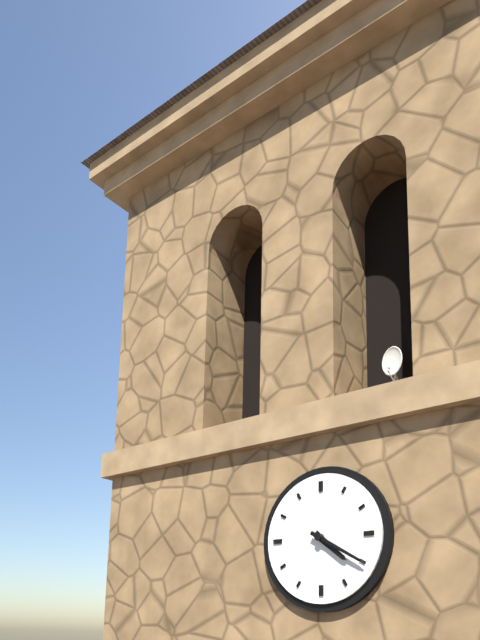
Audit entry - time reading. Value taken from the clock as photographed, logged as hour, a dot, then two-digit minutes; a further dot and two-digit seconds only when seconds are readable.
4.20
